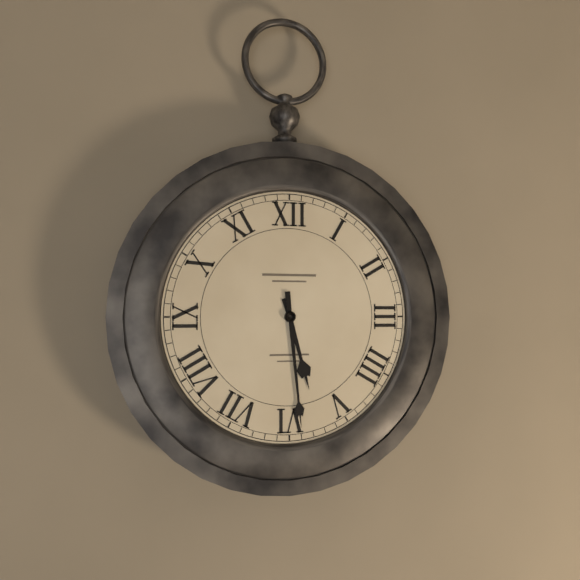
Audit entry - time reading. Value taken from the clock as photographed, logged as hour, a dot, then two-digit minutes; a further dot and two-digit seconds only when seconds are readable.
5.29
